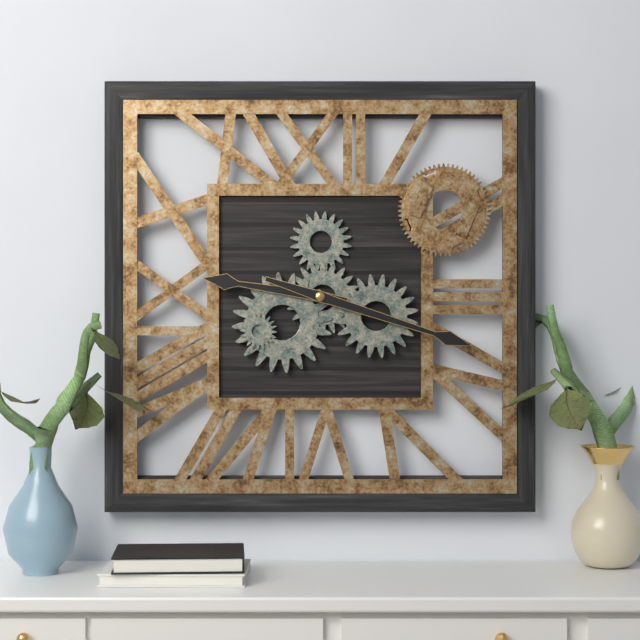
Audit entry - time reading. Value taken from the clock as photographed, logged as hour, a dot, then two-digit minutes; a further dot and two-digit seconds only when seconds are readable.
9.18
